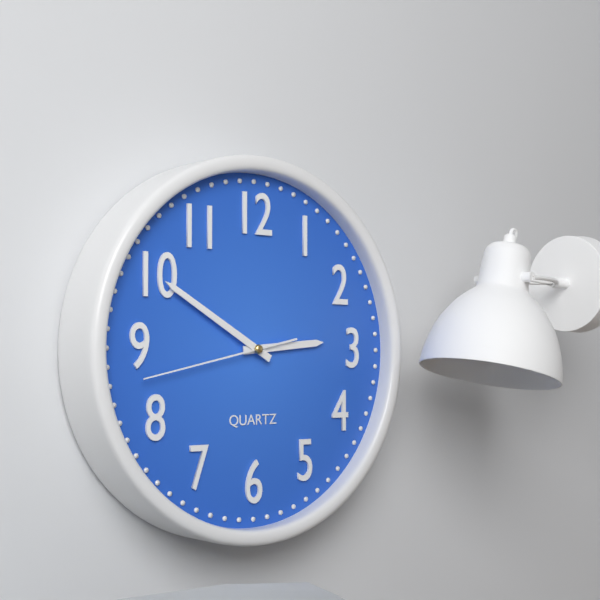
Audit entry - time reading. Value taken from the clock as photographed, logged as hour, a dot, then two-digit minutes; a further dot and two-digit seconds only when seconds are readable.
2.50.43
